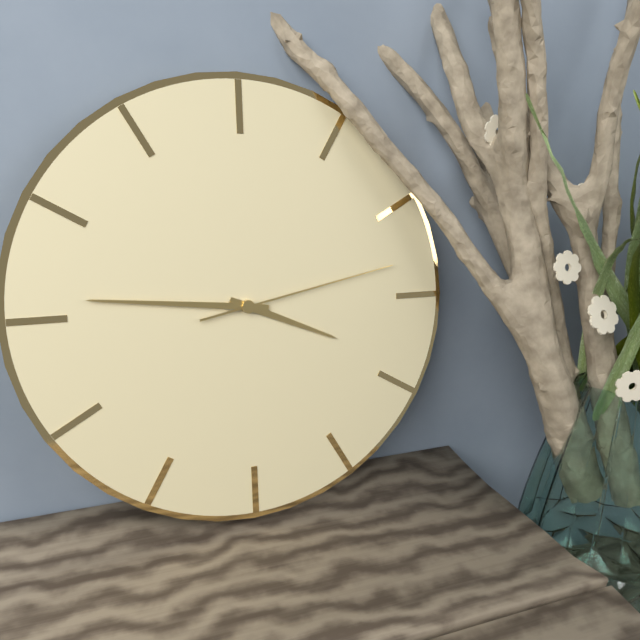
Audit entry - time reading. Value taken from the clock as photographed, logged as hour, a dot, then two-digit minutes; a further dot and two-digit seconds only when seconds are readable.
3.46.13
